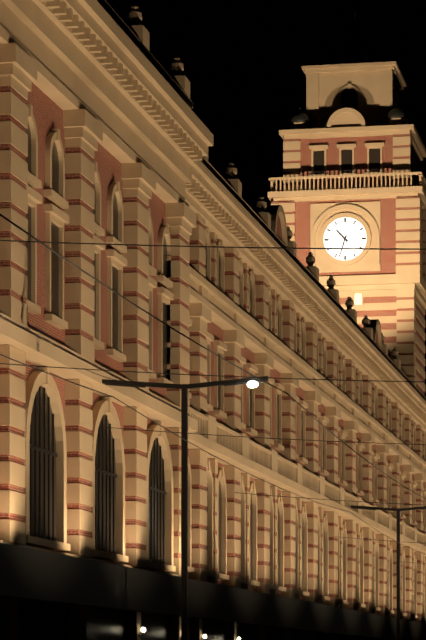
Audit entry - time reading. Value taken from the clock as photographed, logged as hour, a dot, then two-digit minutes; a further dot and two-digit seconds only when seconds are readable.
10.33
